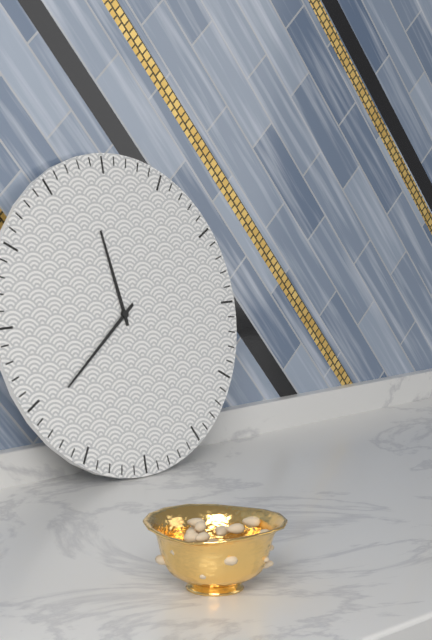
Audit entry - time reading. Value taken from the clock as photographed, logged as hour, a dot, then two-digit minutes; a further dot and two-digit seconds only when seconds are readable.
11.39
